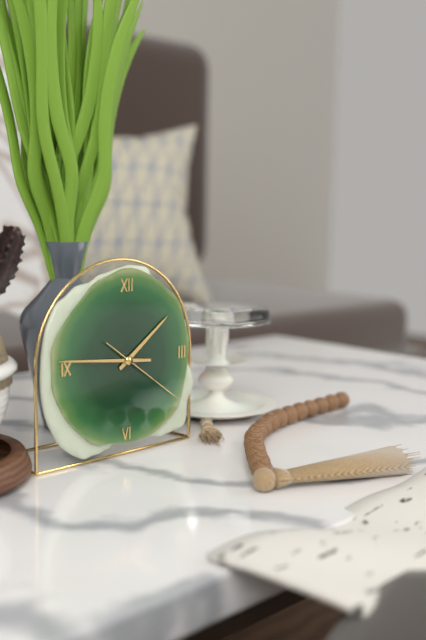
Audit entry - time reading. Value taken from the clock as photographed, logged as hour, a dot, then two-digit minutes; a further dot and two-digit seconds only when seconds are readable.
1.46.21
